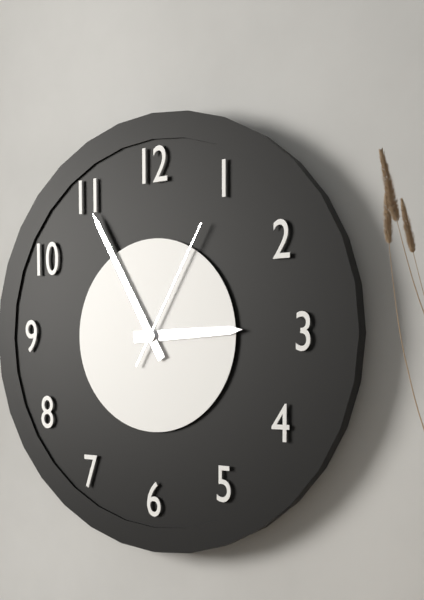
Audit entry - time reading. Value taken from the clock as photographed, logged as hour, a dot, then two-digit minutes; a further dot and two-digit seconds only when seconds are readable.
2.55.05
